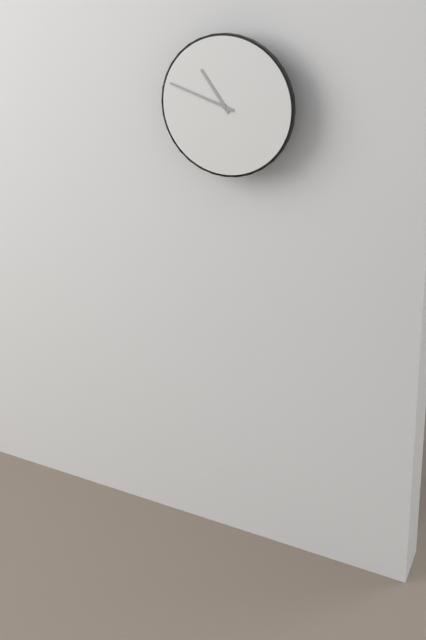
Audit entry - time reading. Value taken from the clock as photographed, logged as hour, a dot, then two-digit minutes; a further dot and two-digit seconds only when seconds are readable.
10.48
